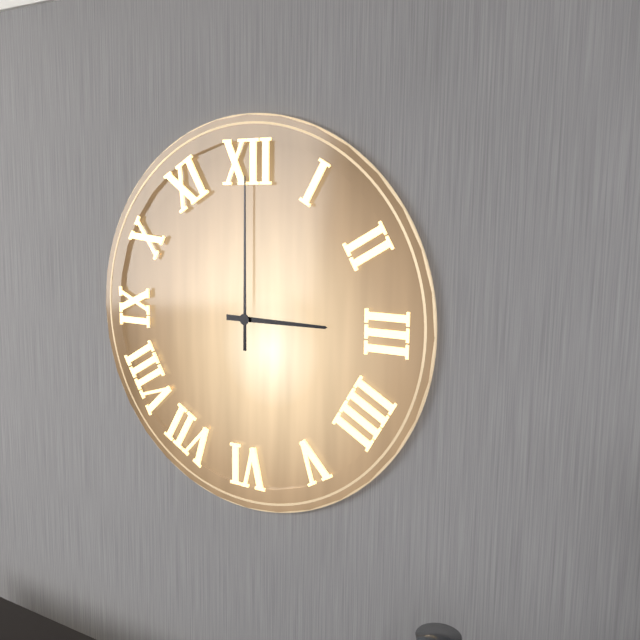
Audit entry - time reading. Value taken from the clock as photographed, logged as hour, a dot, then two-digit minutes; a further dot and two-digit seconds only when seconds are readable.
3.00
